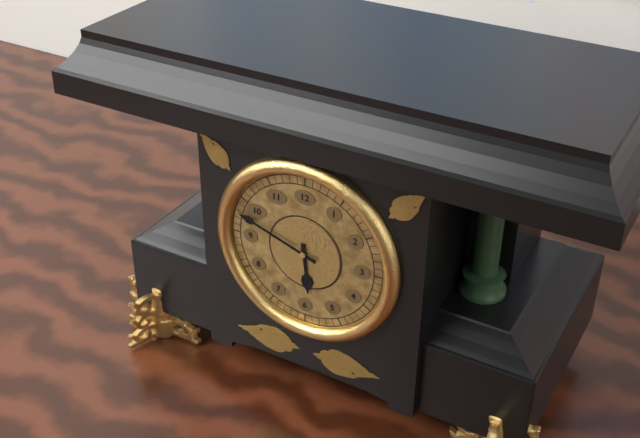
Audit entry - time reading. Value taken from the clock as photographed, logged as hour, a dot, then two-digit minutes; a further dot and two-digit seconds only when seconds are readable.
5.48
